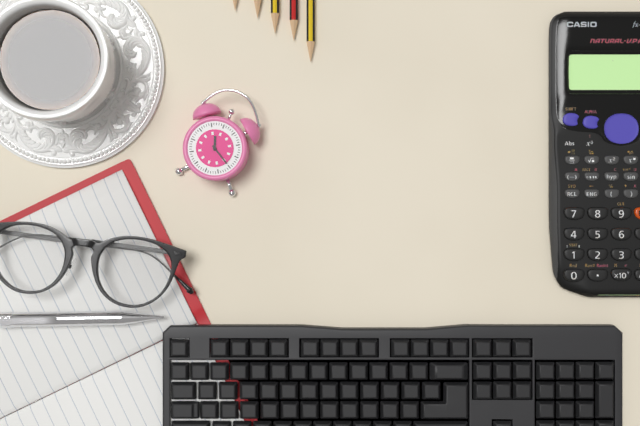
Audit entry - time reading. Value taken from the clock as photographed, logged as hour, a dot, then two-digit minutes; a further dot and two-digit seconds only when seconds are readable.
11.20
